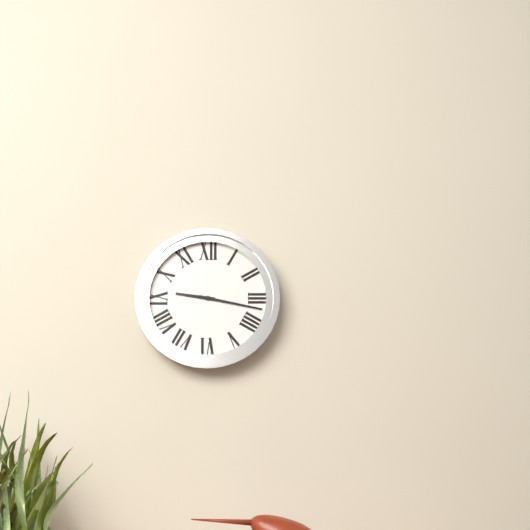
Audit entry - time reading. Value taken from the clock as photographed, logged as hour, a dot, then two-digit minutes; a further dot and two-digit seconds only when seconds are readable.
9.17
